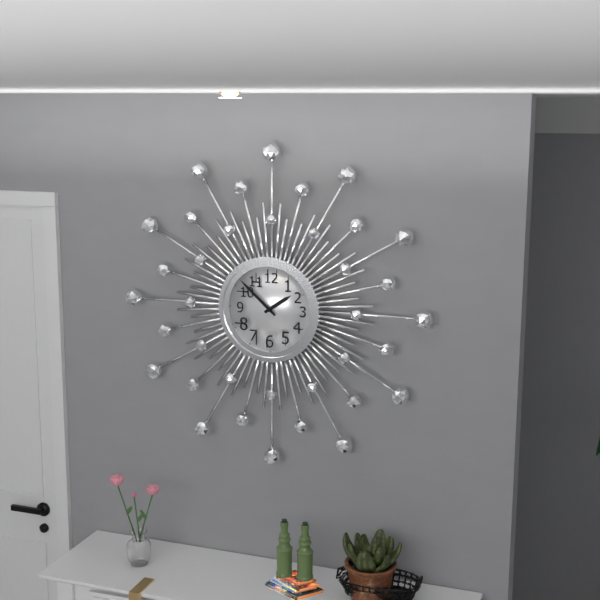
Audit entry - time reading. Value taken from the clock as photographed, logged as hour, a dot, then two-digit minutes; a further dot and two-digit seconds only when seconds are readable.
1.52
